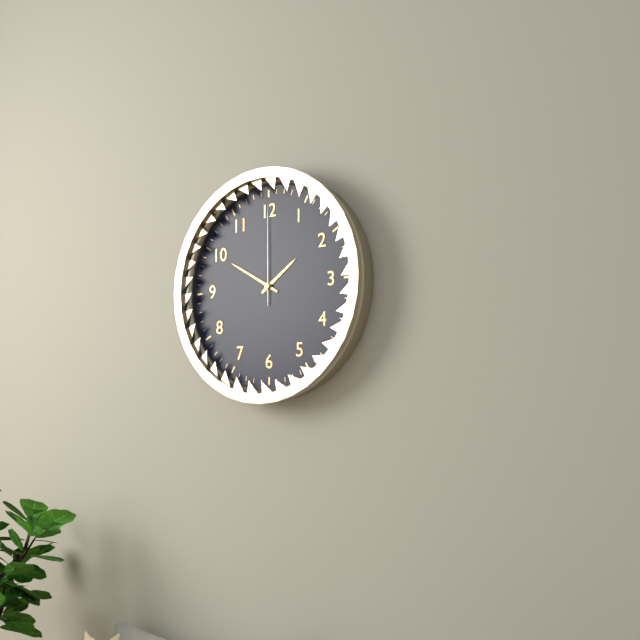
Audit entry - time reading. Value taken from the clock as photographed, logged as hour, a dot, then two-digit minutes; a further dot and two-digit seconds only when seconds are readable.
1.50.00
